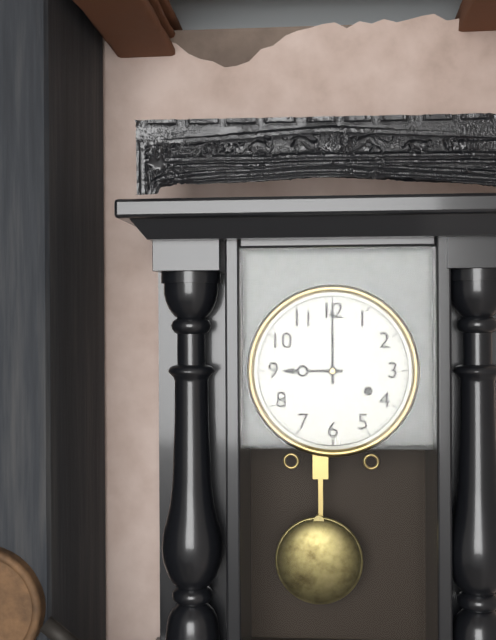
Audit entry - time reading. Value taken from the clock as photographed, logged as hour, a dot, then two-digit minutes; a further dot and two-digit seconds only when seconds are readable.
9.00
